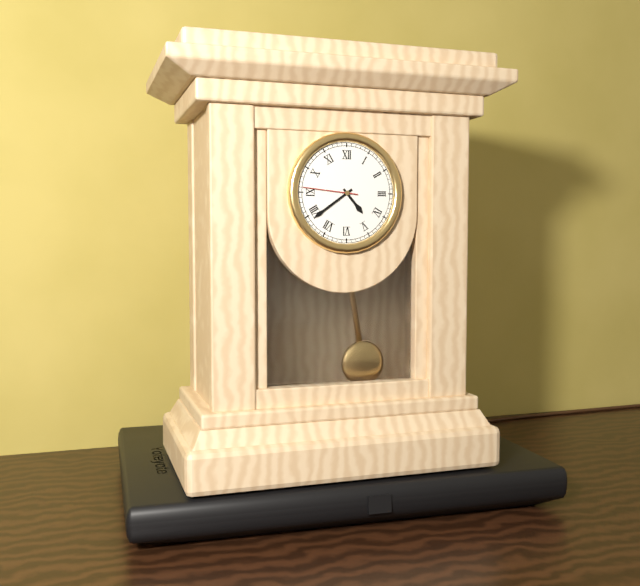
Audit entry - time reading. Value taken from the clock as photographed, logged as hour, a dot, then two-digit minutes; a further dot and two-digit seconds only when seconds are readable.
4.39.46
